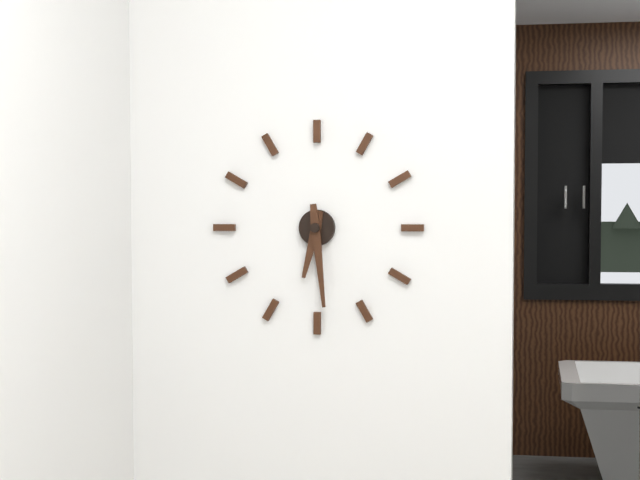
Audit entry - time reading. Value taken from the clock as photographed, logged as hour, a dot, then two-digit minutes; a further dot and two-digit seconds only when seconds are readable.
6.29
